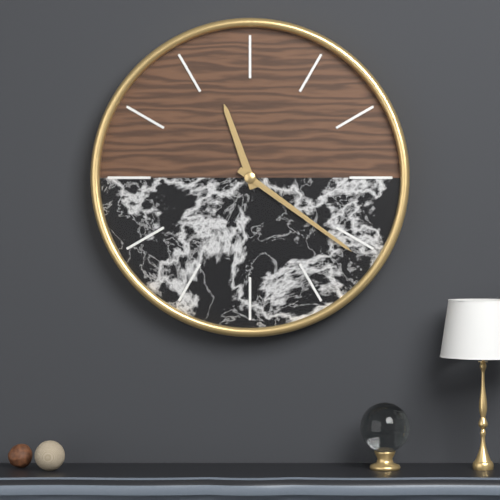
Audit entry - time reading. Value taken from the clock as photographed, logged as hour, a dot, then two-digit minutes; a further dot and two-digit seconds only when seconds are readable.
11.21
